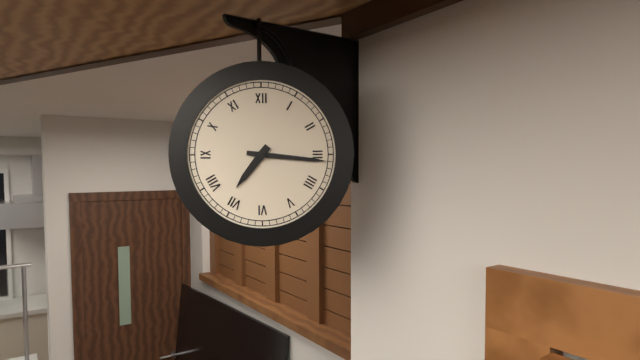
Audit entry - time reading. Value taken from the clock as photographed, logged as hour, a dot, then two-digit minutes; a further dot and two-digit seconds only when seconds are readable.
7.16
